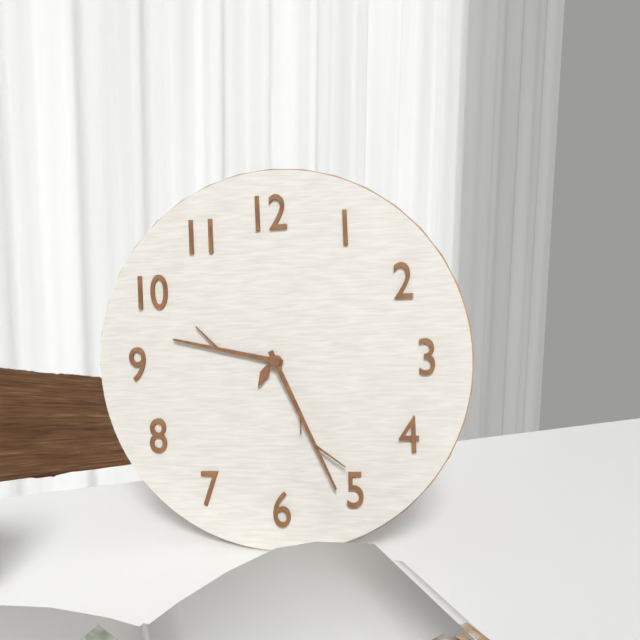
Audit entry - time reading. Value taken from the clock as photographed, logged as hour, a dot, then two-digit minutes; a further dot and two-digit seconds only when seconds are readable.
9.26
